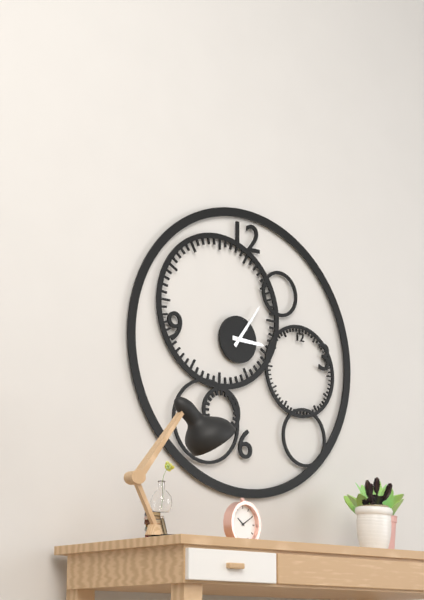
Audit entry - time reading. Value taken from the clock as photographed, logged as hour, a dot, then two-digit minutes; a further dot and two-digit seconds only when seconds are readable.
3.06
